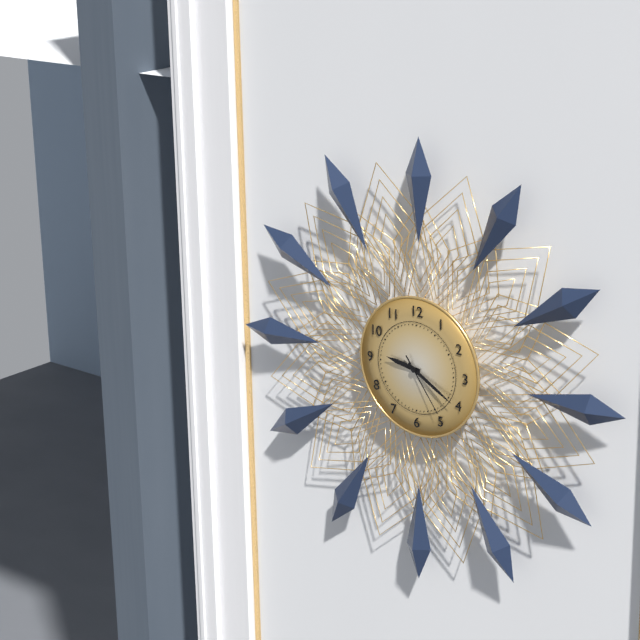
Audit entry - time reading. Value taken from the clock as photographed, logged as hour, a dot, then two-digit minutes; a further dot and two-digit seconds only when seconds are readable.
9.20.24
